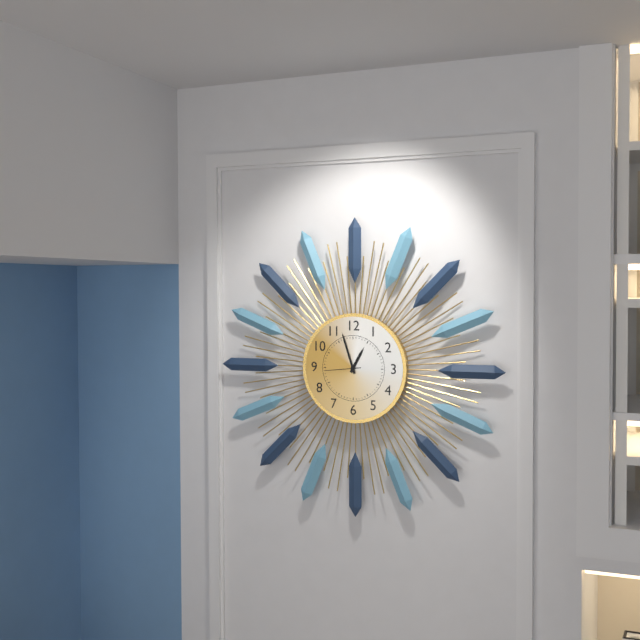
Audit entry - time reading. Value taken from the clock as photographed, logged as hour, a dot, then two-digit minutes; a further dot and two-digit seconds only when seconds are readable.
12.57
